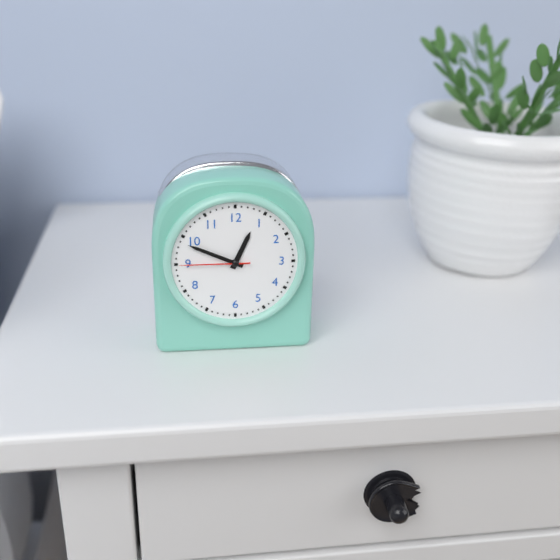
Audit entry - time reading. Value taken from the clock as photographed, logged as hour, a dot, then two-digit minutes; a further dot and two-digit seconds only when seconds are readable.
12.49.45
